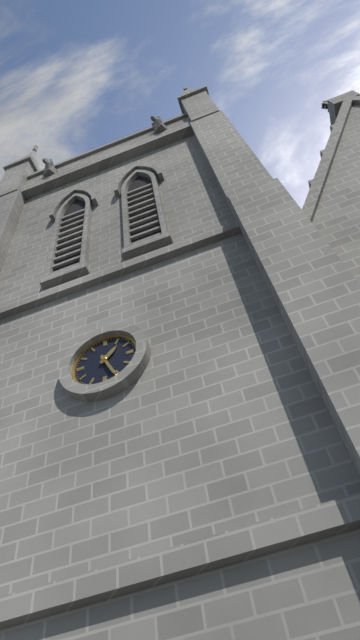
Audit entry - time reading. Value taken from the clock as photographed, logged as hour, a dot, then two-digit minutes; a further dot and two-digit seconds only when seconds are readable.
1.26
